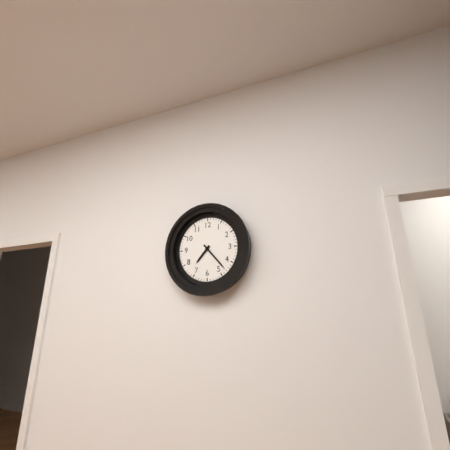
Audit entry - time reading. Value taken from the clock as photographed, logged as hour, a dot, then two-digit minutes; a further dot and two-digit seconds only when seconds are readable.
7.23
